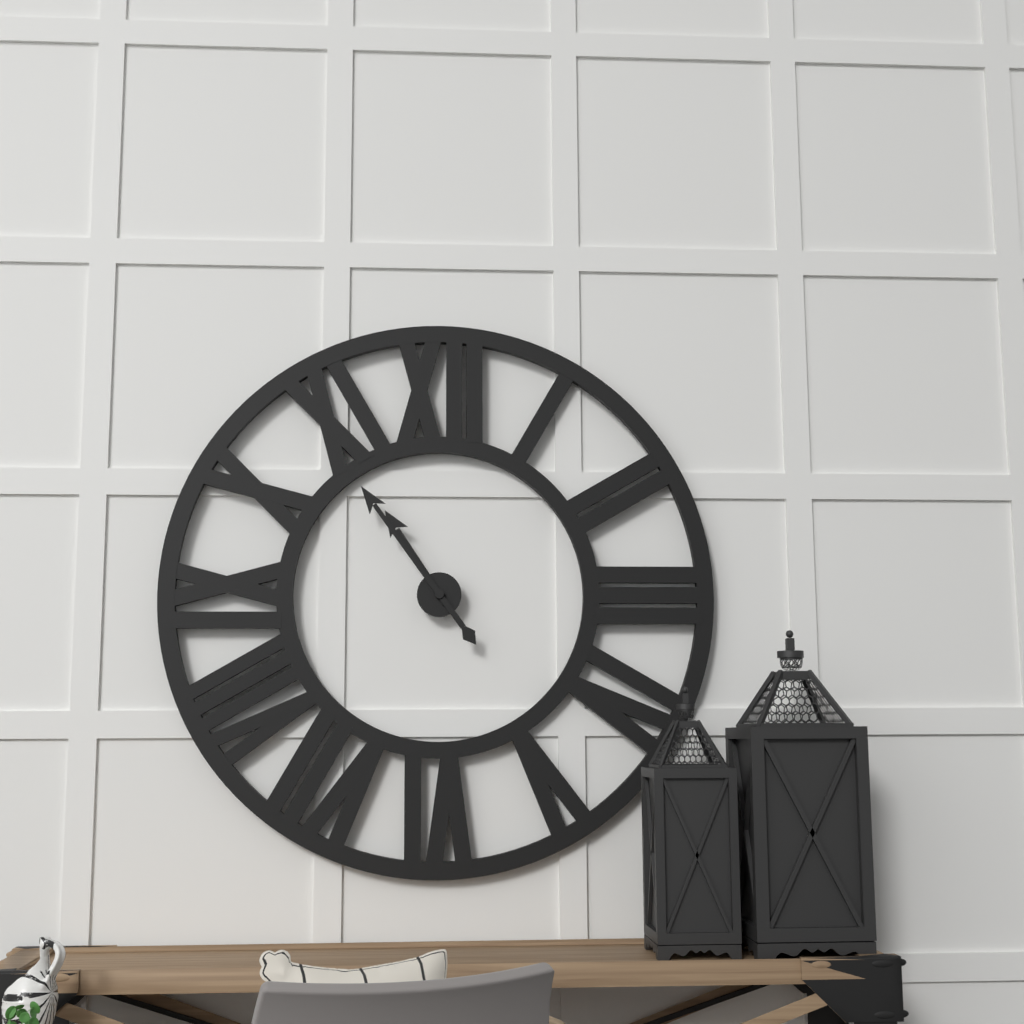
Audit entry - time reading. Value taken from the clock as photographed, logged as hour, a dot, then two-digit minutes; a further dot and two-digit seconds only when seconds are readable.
10.54
